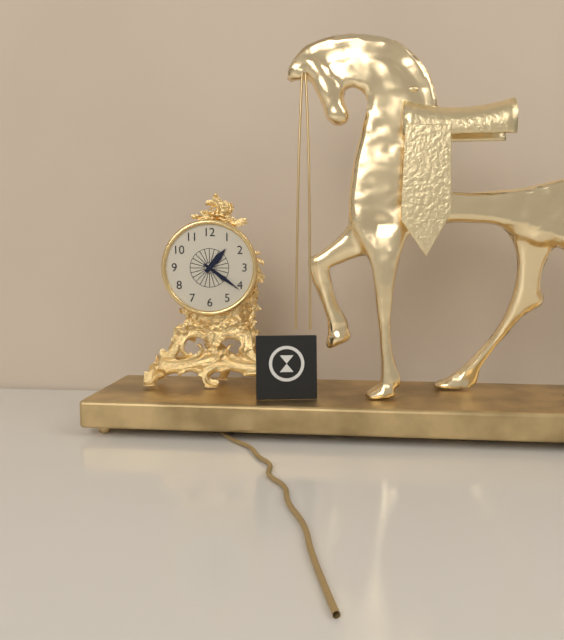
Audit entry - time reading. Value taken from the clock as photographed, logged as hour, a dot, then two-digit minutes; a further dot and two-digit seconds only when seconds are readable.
1.21
